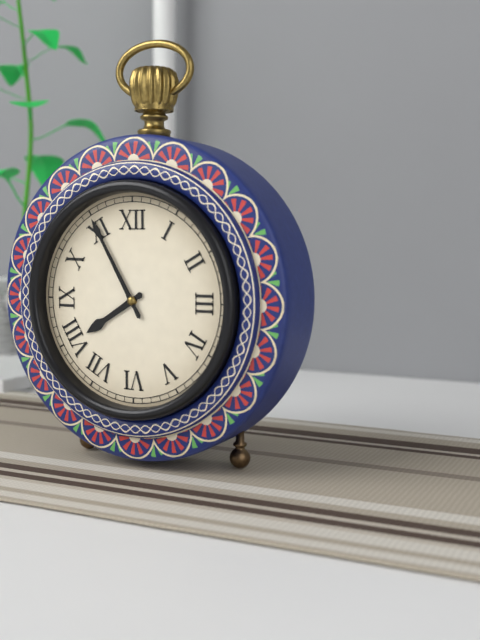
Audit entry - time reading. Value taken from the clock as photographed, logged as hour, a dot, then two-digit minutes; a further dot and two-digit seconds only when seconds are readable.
7.55
